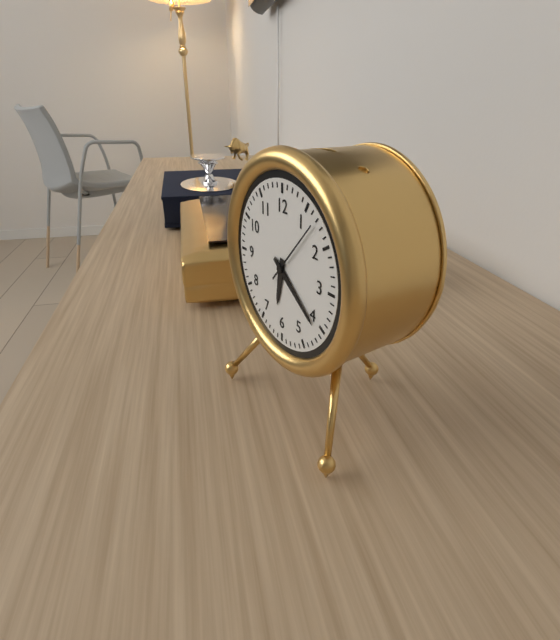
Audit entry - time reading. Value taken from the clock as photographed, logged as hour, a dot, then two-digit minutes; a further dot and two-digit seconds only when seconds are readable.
6.21.07
